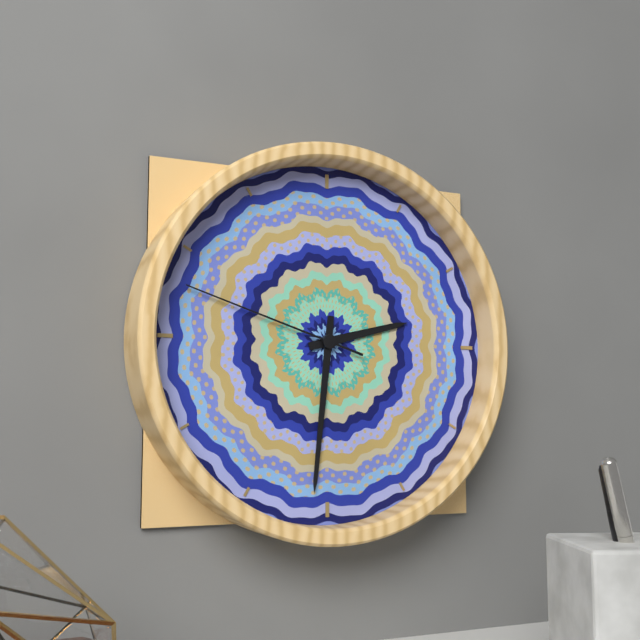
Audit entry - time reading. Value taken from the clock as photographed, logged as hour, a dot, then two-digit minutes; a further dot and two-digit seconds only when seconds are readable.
2.31.48
